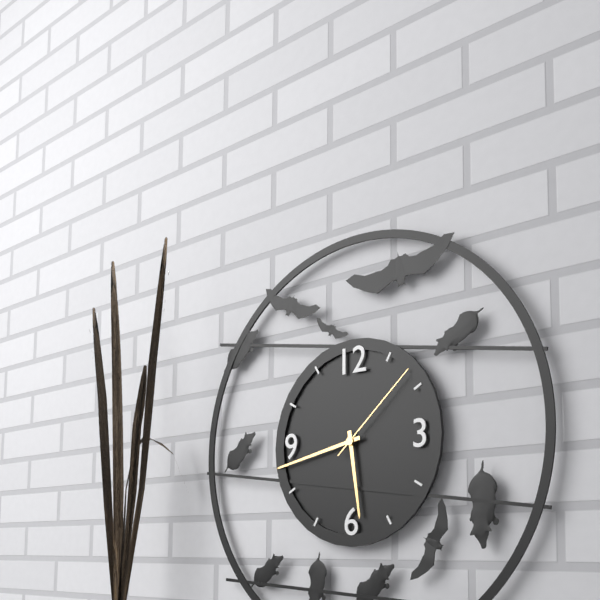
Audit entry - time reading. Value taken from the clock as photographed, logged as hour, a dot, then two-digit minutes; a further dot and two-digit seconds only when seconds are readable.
5.43.08
